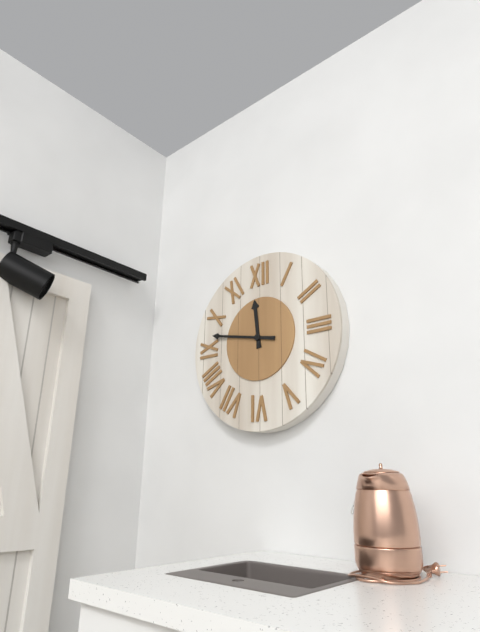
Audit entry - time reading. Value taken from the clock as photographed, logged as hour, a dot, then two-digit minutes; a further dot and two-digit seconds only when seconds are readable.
11.47
